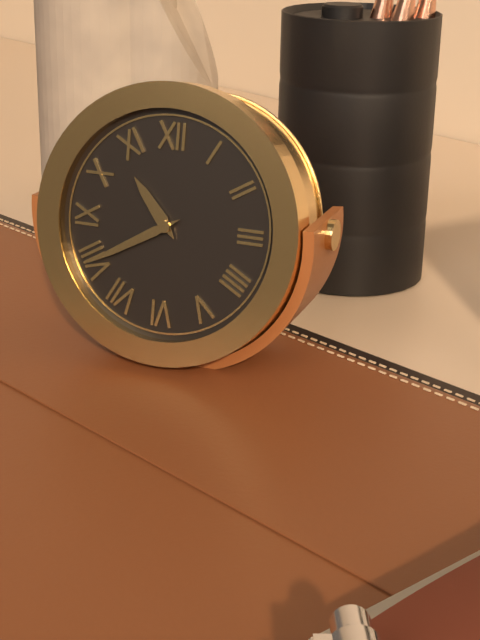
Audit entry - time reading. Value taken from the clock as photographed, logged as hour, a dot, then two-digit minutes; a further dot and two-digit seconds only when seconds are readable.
10.40
